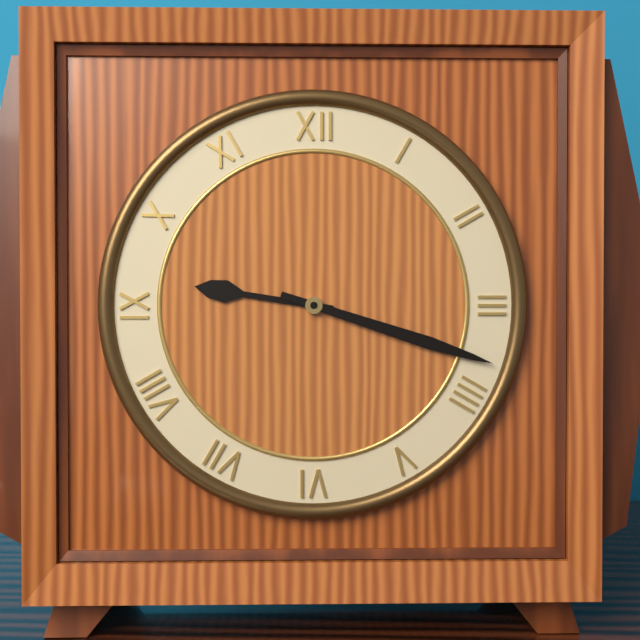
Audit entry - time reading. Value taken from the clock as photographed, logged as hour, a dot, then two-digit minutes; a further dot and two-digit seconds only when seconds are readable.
9.18
